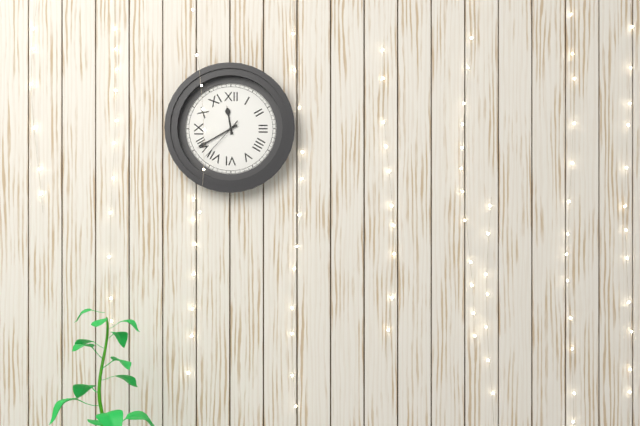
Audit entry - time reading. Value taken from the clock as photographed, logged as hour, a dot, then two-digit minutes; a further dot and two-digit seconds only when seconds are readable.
11.40.37
